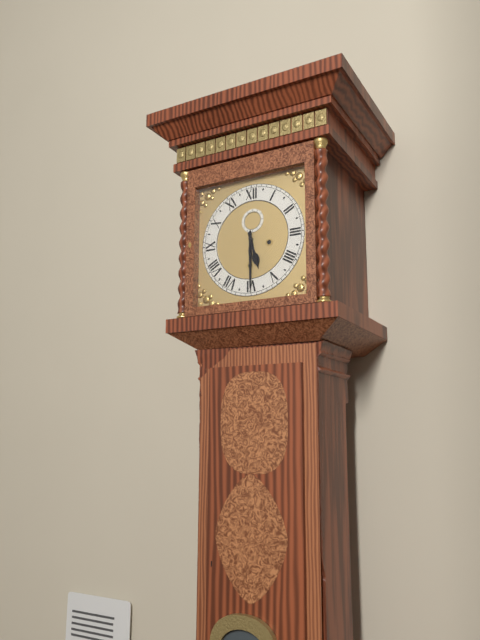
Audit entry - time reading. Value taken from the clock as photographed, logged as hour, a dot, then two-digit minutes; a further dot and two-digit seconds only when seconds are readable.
5.30
